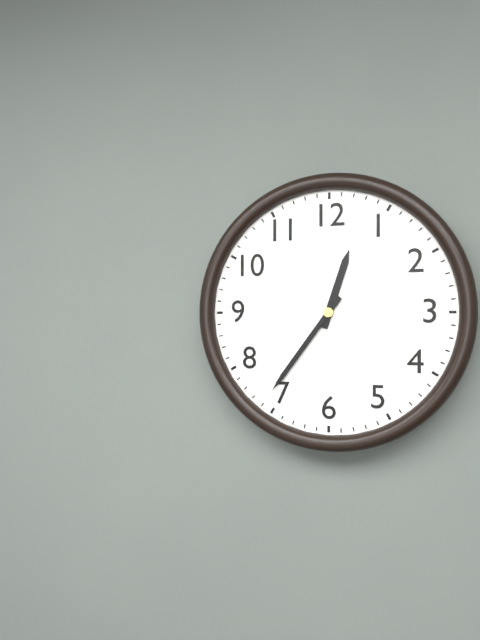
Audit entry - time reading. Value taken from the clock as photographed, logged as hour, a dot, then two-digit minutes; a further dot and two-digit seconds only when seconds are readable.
12.36
